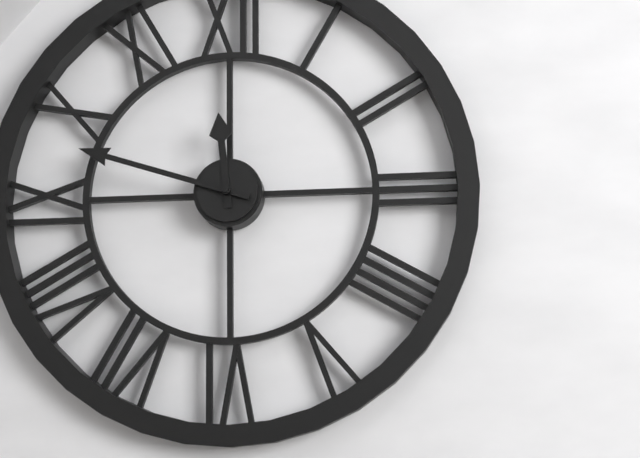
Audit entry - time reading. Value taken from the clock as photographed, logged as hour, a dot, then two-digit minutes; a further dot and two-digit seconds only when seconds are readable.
11.48
